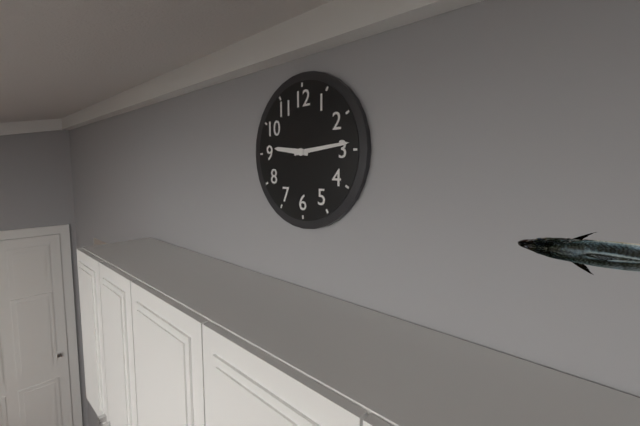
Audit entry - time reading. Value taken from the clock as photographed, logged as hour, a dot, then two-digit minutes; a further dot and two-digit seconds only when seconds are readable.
9.14
